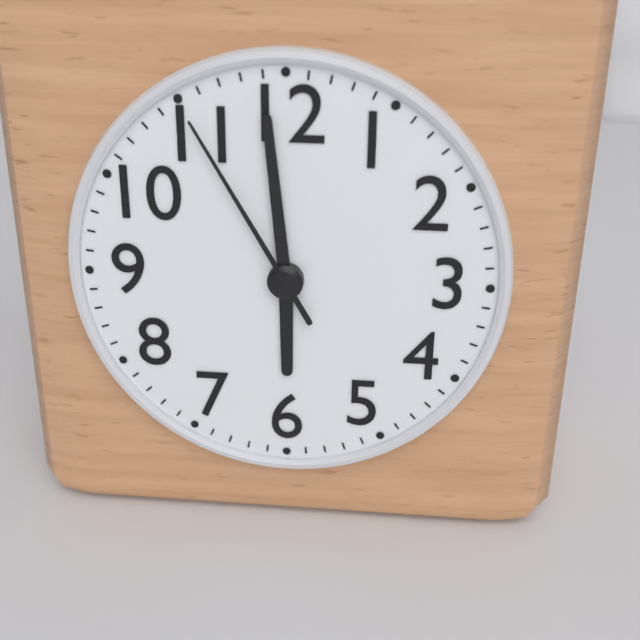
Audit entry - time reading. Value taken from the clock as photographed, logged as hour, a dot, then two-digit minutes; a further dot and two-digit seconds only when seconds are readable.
5.59.55
